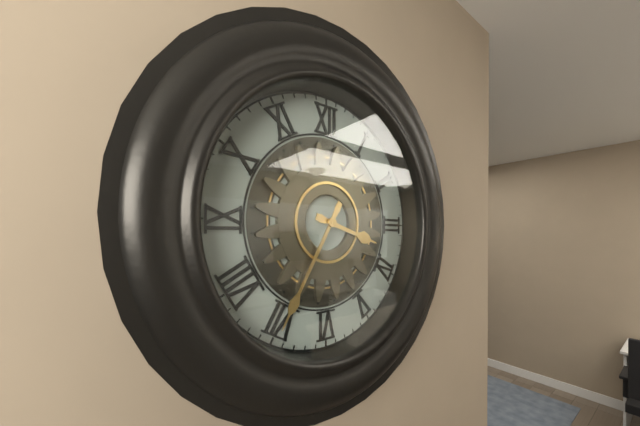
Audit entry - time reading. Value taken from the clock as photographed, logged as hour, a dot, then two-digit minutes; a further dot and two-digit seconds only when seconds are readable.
3.35
